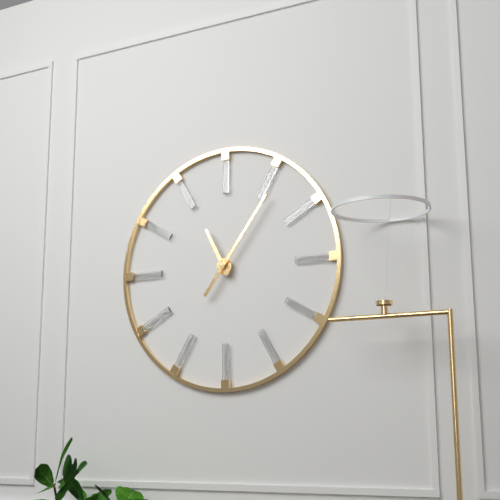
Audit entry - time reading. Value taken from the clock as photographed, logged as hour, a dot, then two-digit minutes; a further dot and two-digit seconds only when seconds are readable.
11.06
